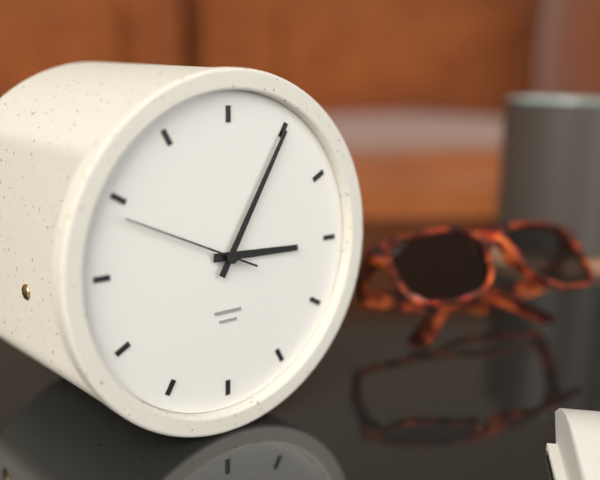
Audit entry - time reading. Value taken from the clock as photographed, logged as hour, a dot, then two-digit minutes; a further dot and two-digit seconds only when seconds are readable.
3.05.49
